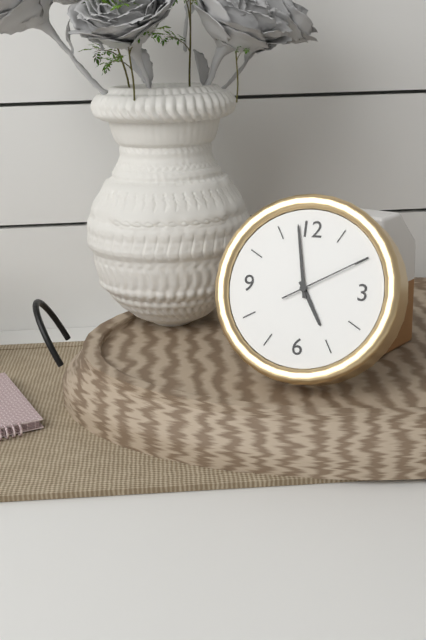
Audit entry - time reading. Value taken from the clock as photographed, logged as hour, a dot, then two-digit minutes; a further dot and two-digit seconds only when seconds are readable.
4.58.10
